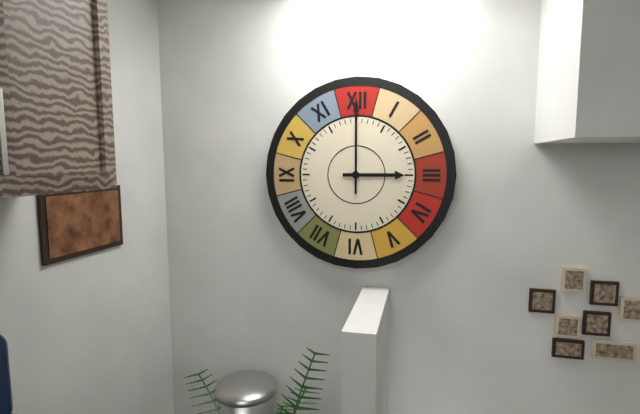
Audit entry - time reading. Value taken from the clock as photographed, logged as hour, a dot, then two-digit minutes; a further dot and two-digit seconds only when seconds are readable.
3.00
